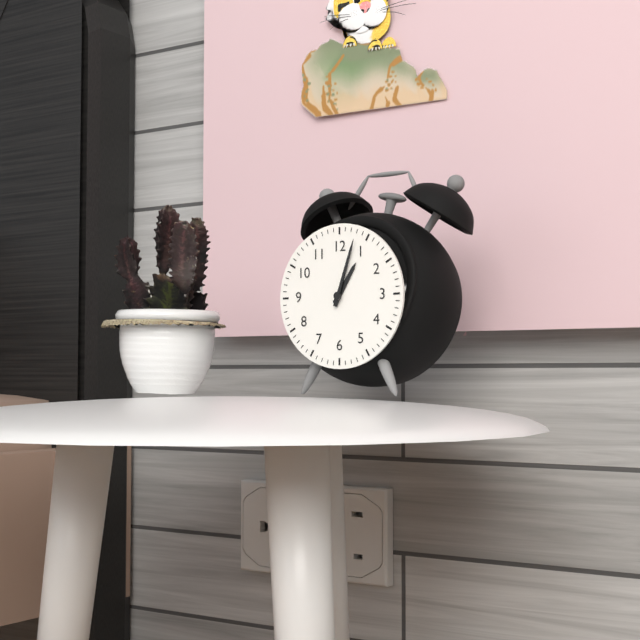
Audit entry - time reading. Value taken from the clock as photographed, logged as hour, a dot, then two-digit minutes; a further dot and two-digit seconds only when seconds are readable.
1.03
